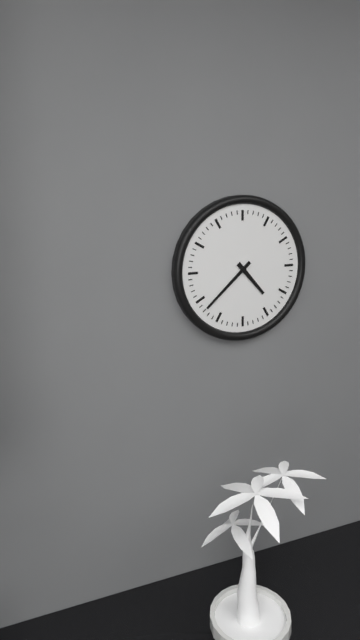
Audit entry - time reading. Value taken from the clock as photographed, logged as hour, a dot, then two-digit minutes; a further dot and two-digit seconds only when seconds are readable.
4.38
